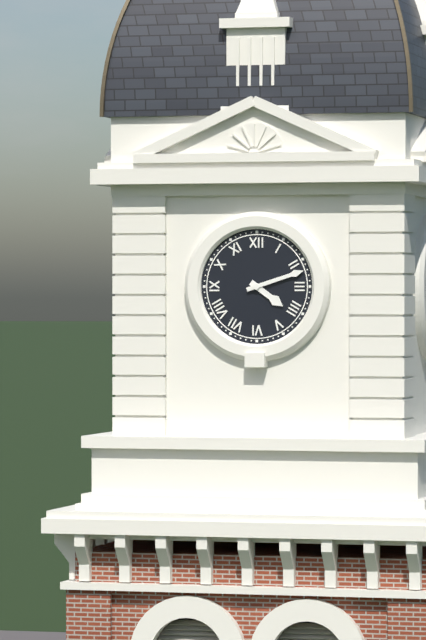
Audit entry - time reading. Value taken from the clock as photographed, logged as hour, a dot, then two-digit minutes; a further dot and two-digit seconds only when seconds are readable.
4.12
